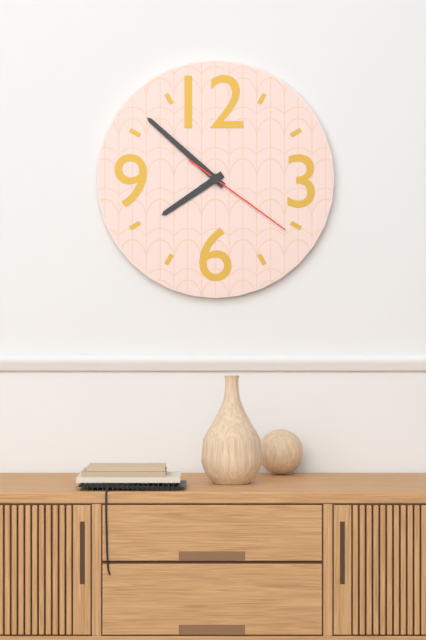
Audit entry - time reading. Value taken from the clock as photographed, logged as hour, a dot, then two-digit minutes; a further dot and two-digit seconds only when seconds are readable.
7.52.21
